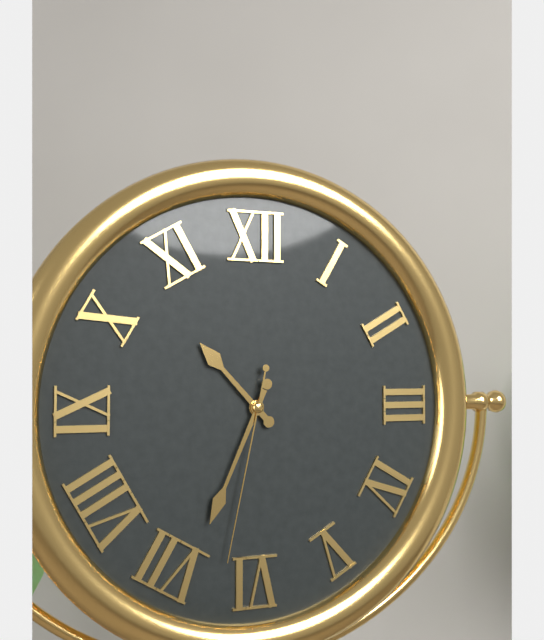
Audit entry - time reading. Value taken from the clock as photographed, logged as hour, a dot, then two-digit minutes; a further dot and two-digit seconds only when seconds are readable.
10.34.32
